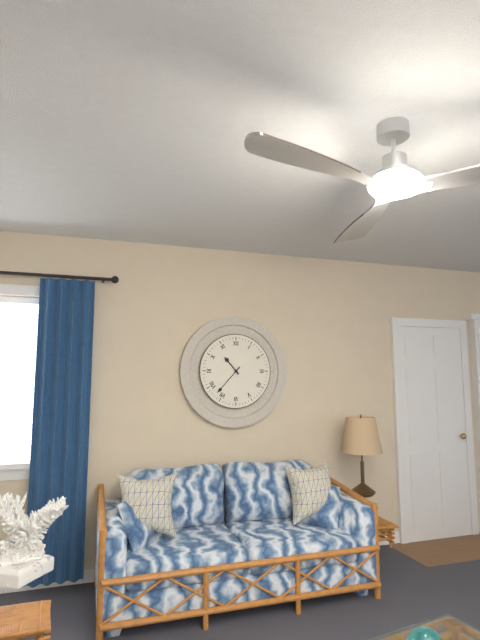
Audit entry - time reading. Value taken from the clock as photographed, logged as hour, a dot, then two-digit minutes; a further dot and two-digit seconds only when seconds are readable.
10.37
